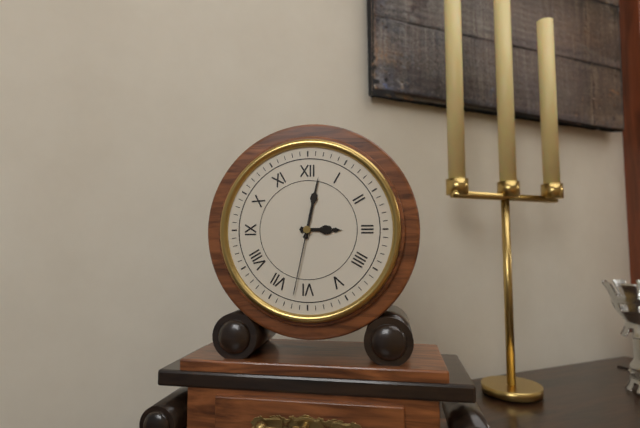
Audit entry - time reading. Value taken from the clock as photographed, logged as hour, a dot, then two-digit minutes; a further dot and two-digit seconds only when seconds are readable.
3.02.32
